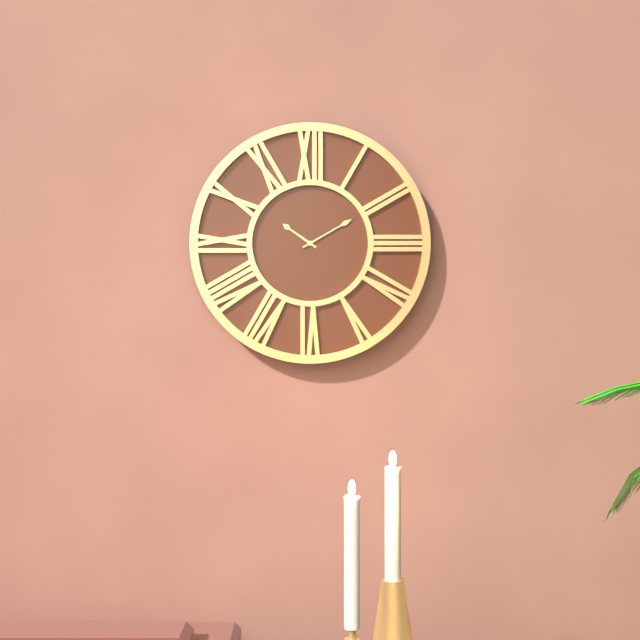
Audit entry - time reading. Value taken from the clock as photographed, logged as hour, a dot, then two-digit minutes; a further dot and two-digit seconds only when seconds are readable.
10.10
